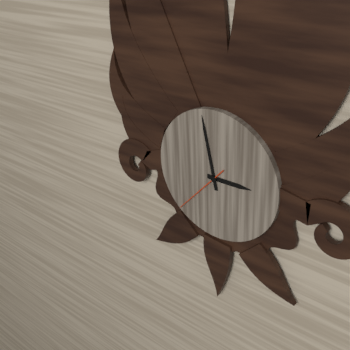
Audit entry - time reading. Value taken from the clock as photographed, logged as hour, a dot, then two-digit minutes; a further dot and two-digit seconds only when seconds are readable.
2.58.37
